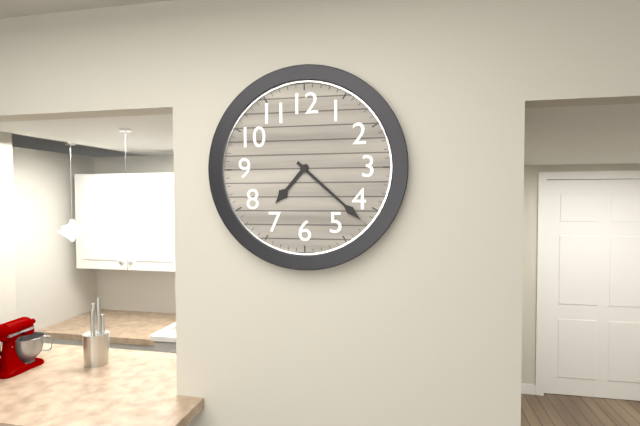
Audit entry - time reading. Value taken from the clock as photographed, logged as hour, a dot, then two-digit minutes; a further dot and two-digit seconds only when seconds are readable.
7.22
